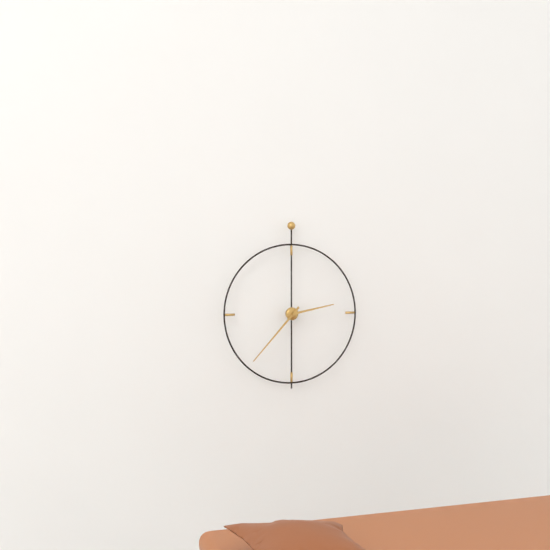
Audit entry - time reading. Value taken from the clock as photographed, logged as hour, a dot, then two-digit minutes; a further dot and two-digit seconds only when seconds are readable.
2.37
